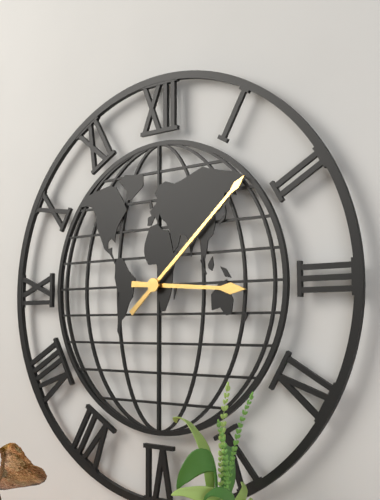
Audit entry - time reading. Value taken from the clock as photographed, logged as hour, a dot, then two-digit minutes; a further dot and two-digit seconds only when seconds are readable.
3.08
